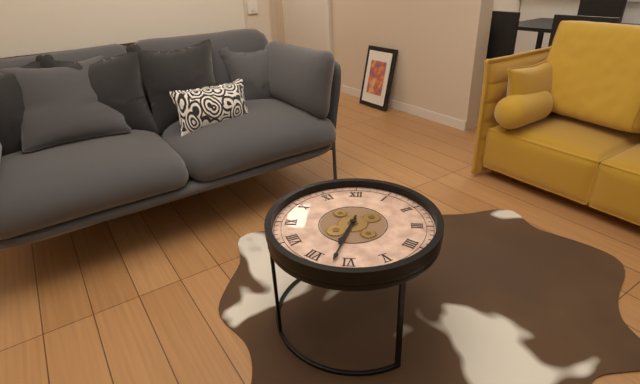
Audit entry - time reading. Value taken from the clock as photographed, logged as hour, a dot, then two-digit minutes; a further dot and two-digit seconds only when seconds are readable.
6.32
